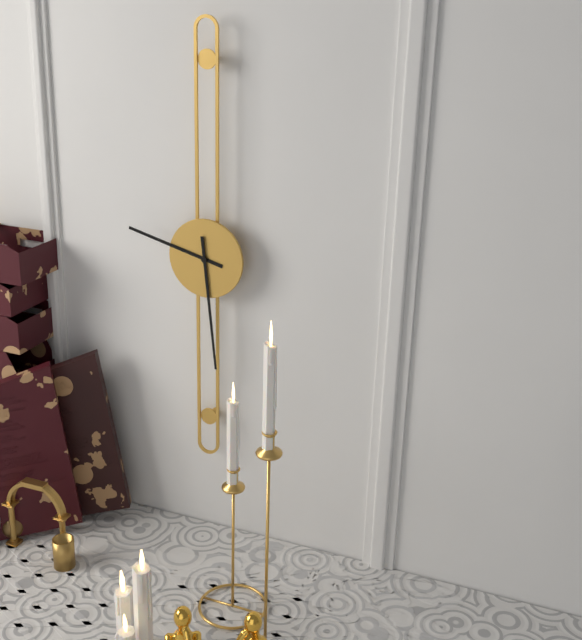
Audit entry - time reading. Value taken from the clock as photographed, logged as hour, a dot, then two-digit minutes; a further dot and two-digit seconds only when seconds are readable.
9.29
